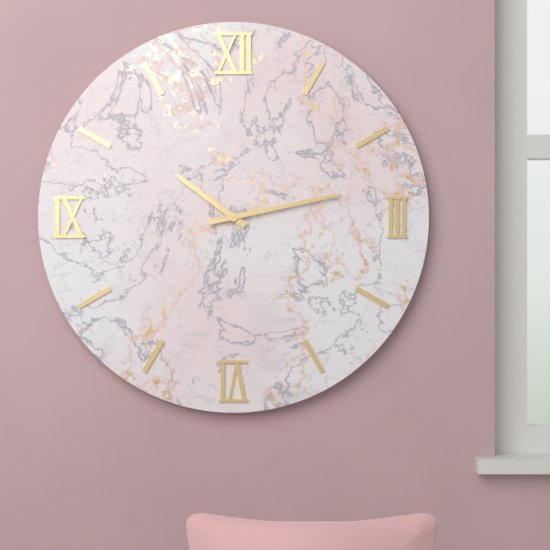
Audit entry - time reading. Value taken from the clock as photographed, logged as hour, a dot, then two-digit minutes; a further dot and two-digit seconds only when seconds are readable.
10.13
